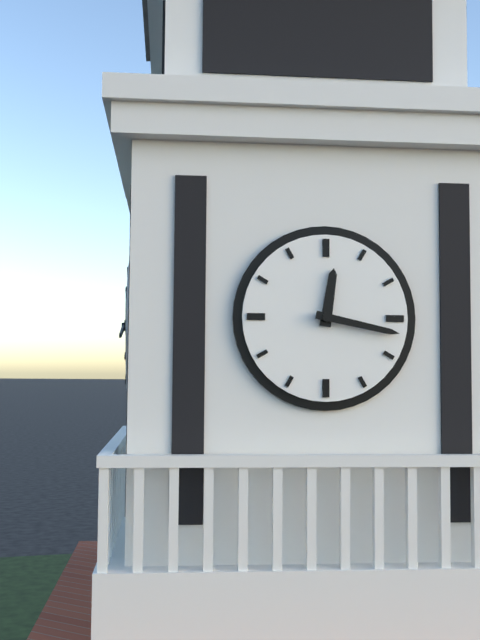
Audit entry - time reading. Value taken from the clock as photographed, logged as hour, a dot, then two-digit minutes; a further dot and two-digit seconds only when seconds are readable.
12.17
